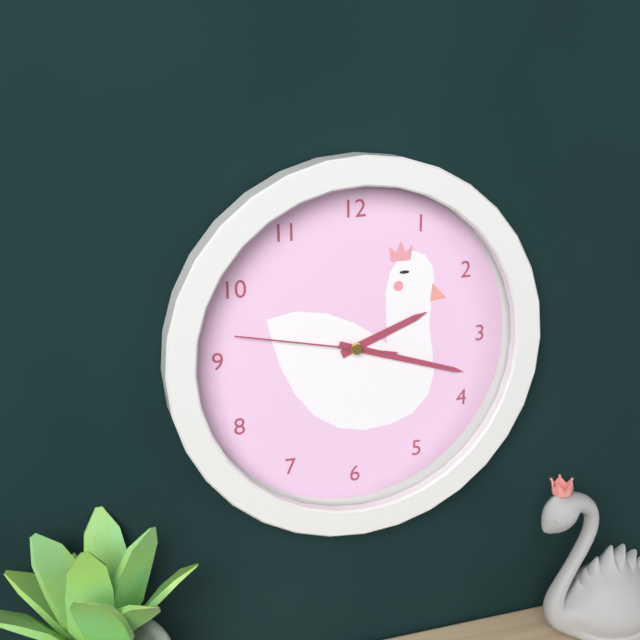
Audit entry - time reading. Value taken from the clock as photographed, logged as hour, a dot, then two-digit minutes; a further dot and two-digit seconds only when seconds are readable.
2.18.47
